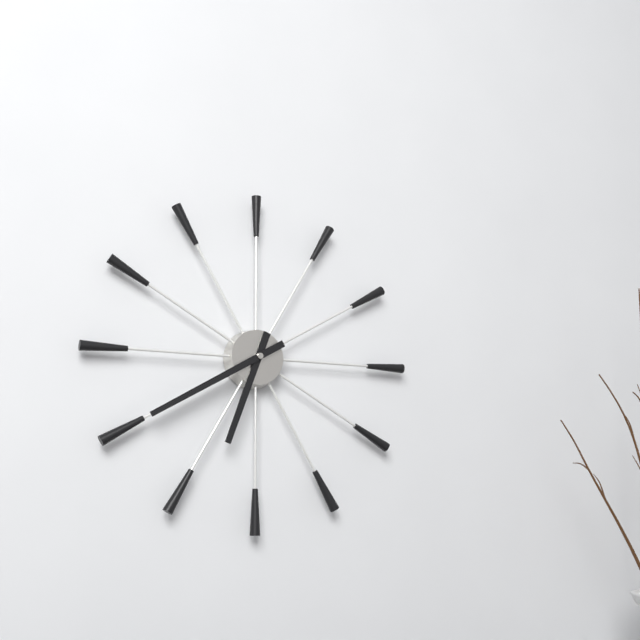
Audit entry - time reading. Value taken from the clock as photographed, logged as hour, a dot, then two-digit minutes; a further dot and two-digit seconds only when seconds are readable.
6.40
